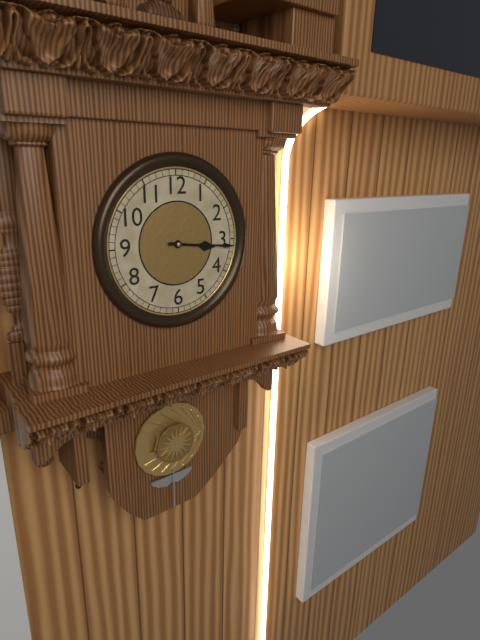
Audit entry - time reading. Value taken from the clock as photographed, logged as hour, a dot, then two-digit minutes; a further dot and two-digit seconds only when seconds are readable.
3.16
